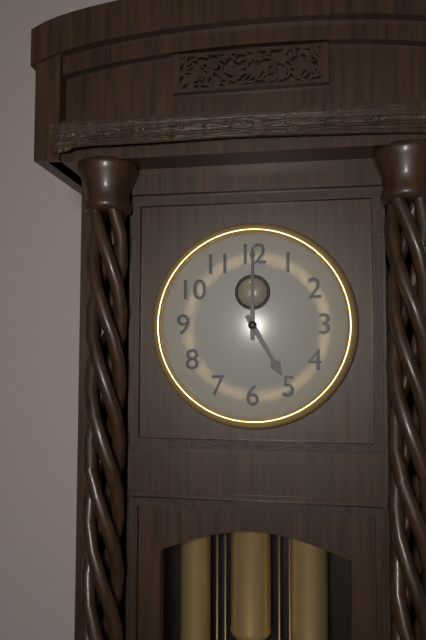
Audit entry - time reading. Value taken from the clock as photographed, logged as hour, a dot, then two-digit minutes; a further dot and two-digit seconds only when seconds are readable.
5.00
